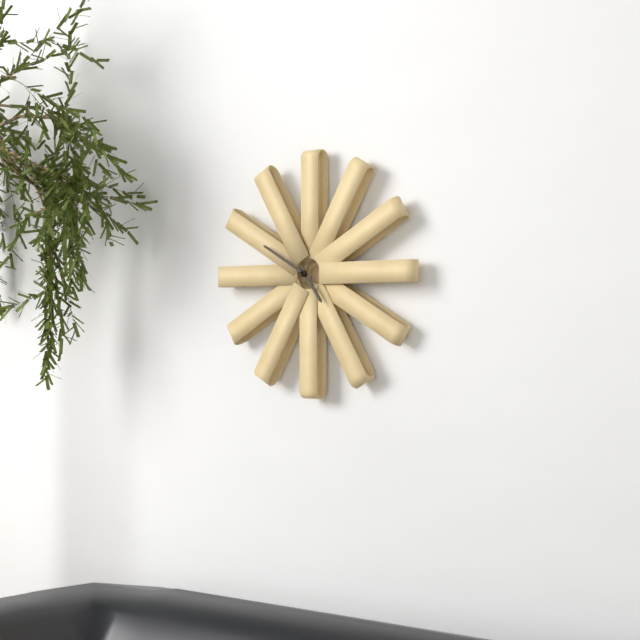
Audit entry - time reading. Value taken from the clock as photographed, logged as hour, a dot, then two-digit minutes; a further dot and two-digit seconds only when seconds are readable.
4.50
